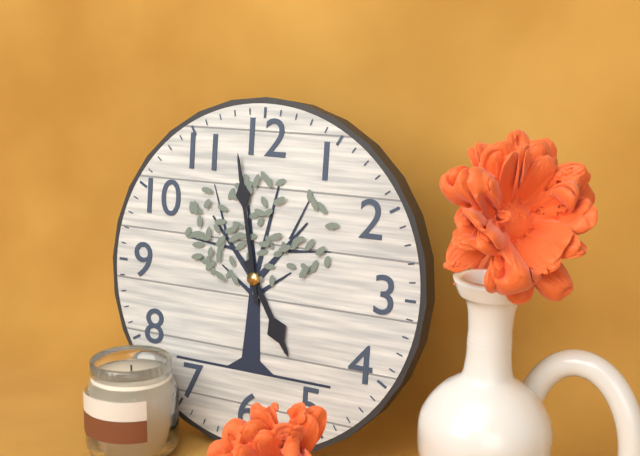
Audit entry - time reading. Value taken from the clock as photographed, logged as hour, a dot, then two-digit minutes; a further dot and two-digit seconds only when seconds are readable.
4.58
